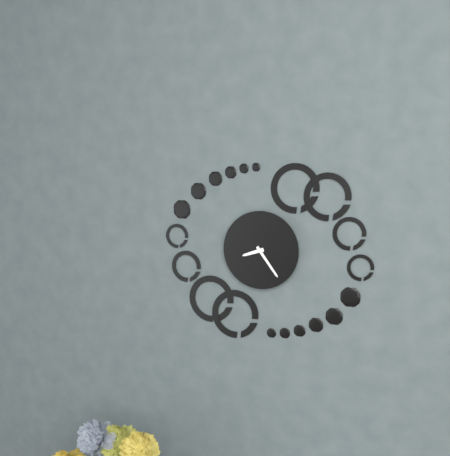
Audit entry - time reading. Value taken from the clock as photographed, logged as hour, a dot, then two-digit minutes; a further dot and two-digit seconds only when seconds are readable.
8.24
